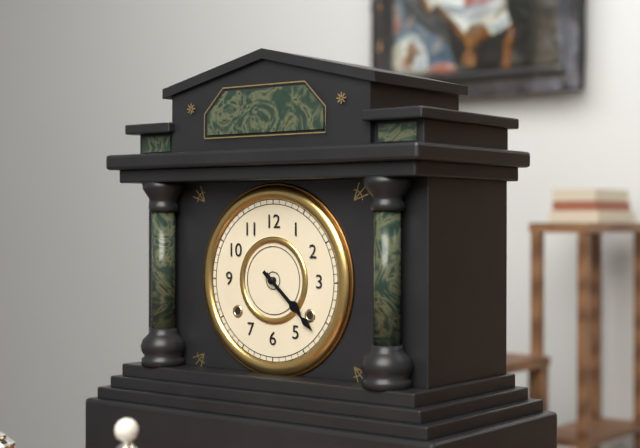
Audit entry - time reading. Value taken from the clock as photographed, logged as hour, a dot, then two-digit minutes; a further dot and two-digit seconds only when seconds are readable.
4.22
